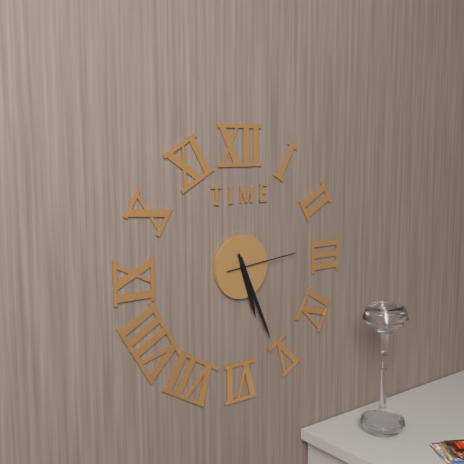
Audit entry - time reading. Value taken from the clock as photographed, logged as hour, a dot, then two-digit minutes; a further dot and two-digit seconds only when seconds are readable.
5.26.14
